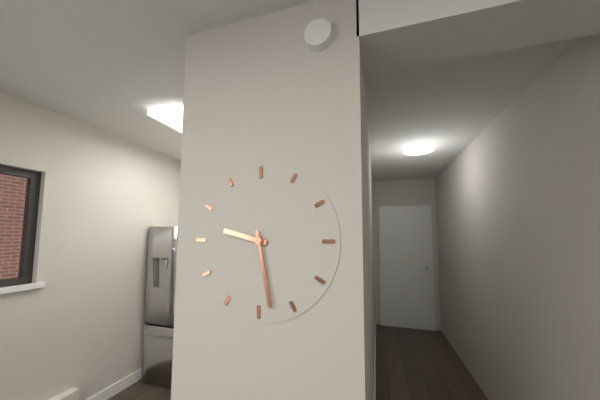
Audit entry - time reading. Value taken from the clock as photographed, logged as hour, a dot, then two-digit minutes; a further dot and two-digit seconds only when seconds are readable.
9.28
